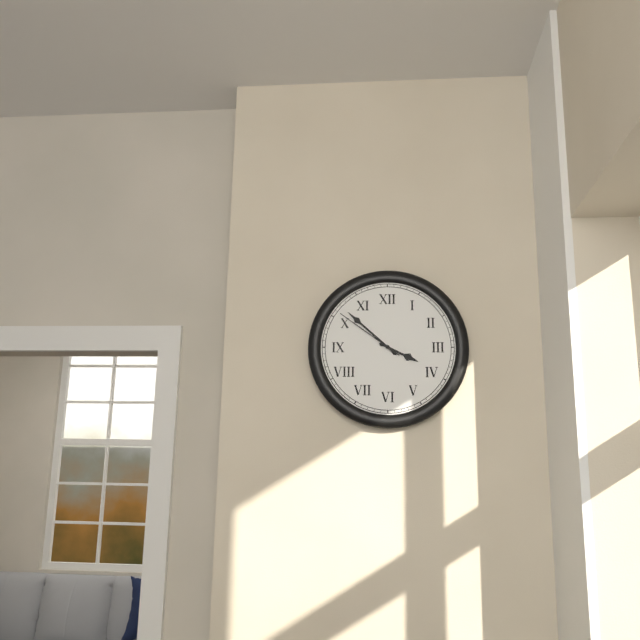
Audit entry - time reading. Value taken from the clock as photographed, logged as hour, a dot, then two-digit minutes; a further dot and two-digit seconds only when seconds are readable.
3.52.51
